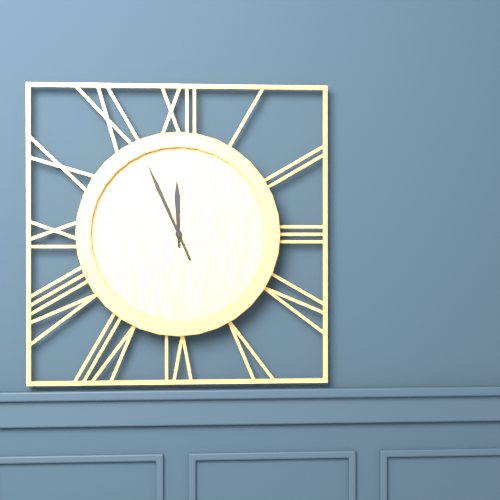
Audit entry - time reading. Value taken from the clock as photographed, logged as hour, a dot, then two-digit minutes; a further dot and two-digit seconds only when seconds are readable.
11.56
